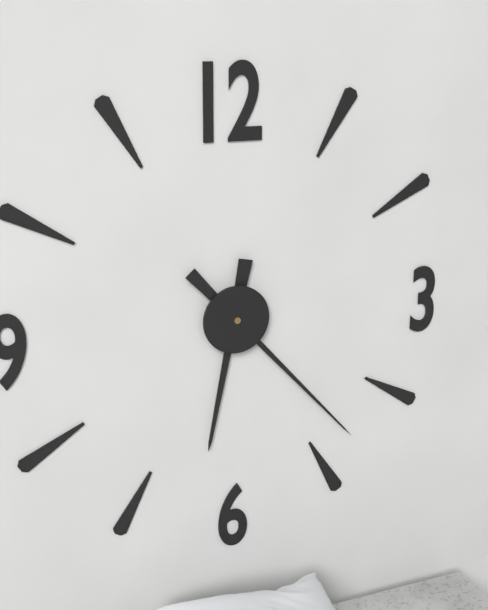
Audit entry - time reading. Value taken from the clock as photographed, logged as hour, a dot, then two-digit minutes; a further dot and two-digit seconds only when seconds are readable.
6.23
